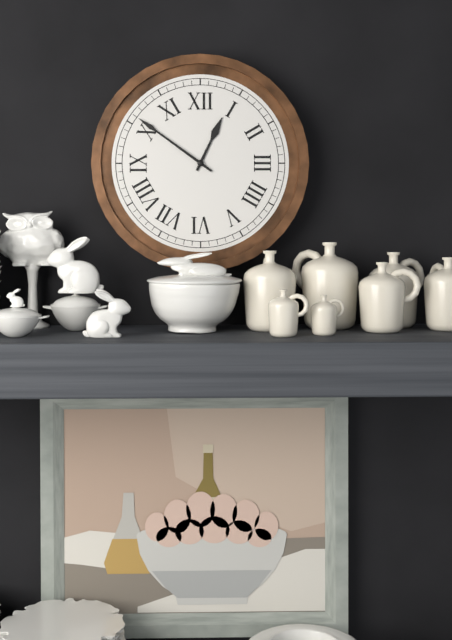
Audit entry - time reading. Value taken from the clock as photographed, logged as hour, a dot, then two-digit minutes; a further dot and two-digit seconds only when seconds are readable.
12.51
